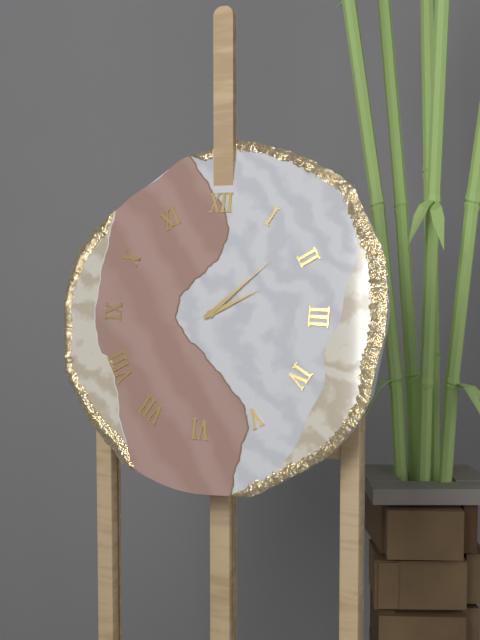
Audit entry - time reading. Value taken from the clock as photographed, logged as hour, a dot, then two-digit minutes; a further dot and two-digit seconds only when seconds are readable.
2.08
